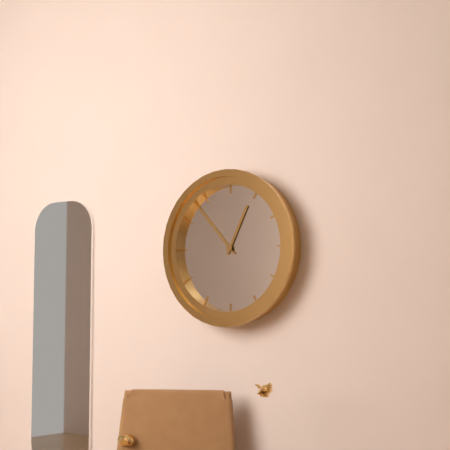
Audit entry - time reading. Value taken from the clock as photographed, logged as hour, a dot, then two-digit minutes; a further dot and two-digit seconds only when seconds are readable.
12.53
